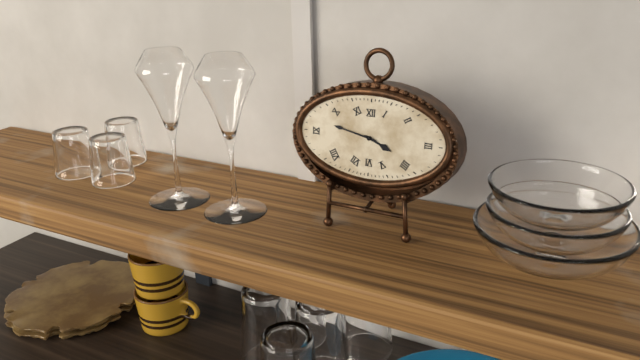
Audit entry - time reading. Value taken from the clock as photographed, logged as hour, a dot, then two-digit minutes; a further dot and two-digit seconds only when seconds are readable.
3.47
